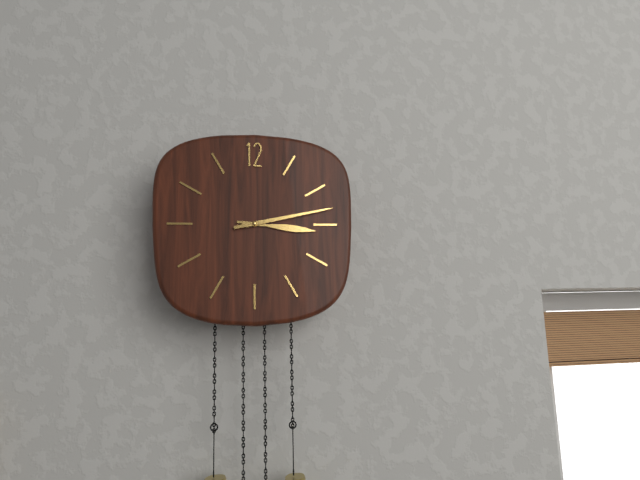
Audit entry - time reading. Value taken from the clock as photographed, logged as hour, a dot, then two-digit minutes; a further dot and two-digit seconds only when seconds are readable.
3.13
